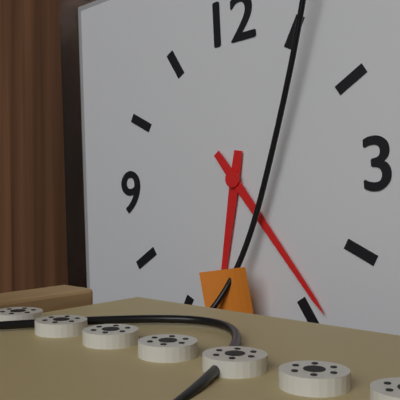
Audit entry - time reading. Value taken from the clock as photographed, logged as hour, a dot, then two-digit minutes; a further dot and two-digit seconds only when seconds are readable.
6.24
